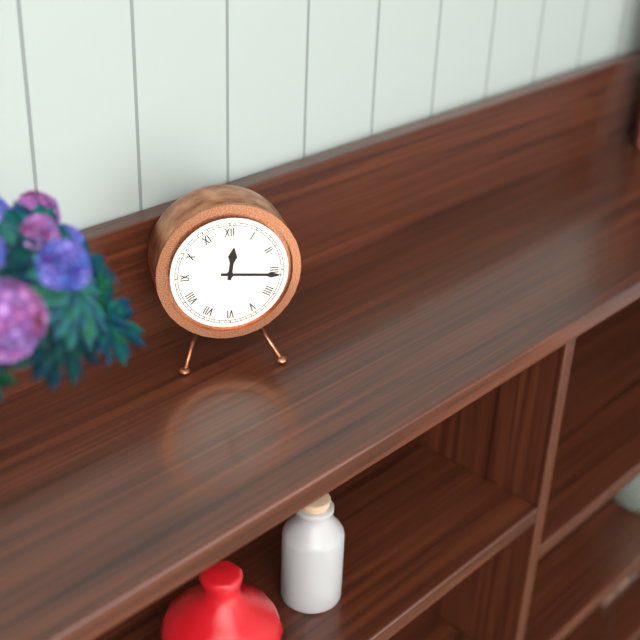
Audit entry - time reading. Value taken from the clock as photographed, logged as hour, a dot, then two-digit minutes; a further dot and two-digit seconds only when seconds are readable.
12.16
